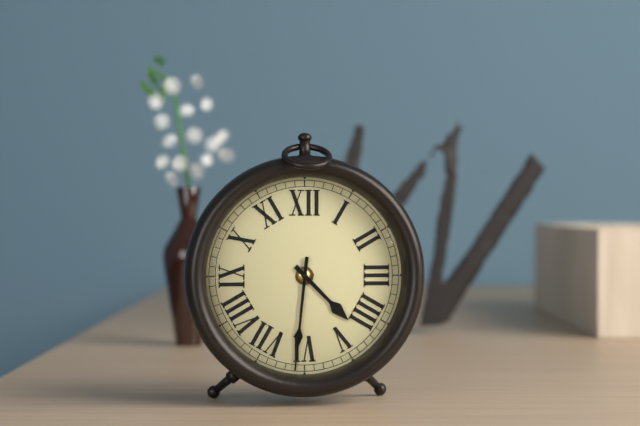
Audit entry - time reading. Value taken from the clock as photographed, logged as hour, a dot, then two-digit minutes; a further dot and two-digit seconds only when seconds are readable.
4.31
